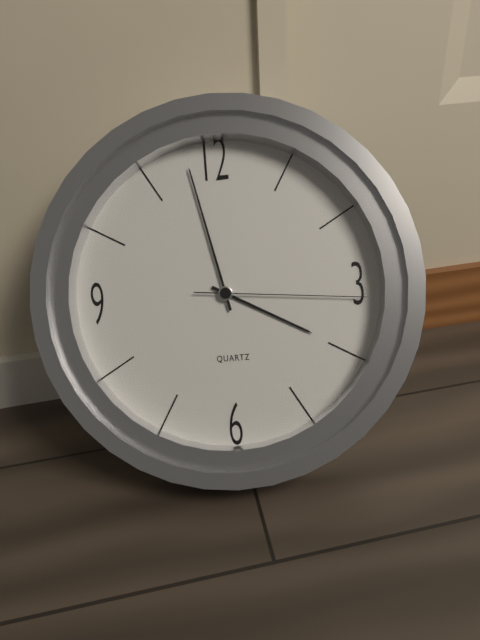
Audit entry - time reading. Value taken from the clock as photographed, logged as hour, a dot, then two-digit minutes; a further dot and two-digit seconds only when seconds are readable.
3.58.16
